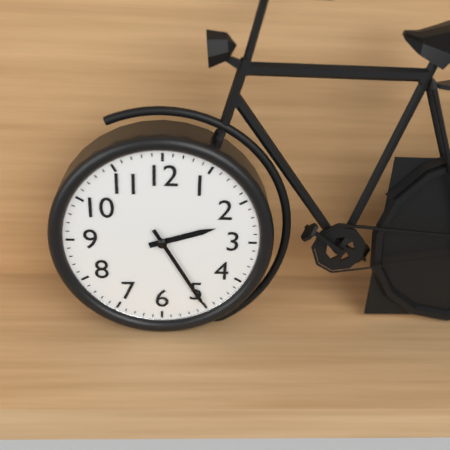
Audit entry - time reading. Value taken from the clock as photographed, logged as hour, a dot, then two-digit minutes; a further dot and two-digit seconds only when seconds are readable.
2.25
